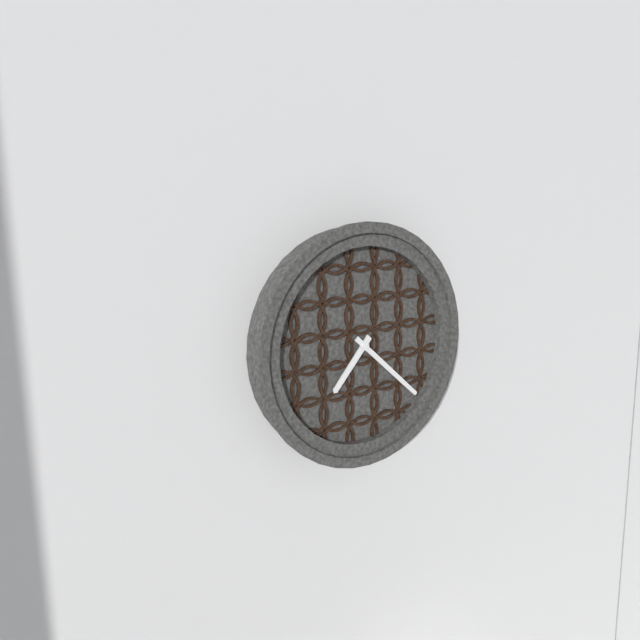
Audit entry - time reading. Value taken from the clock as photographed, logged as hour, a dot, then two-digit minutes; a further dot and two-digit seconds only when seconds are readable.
7.22
